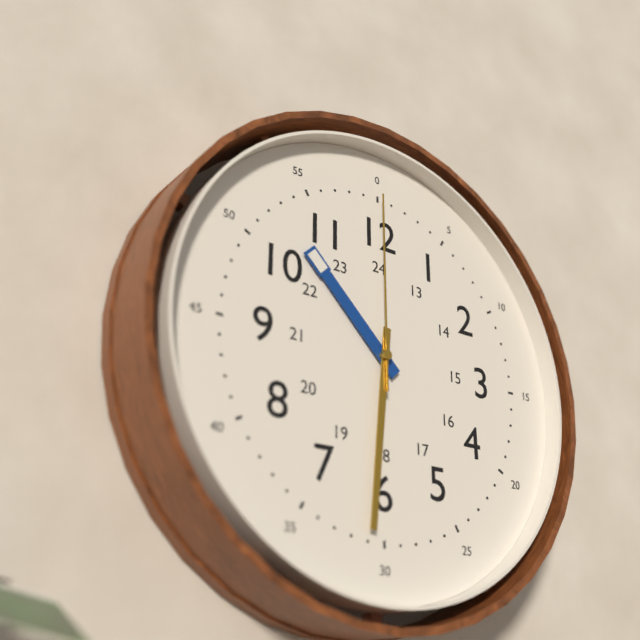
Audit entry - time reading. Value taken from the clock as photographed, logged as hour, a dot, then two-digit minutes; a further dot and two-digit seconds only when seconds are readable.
10.31.00
